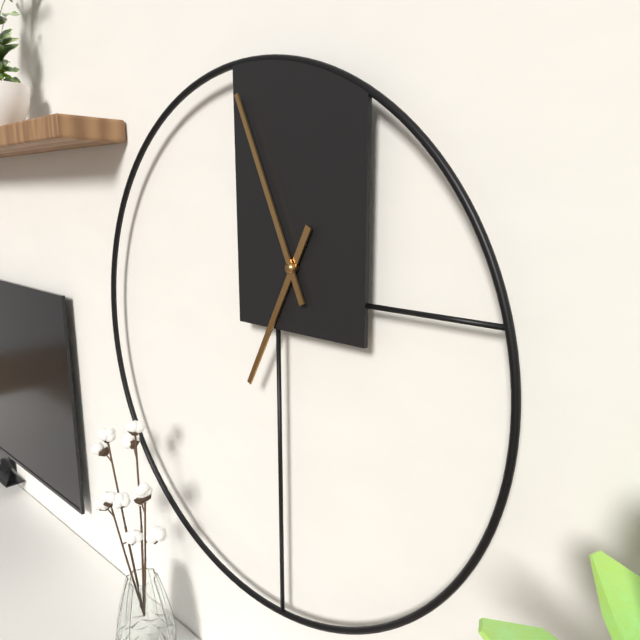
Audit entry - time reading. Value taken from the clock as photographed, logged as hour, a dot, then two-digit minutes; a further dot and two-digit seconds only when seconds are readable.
6.56
